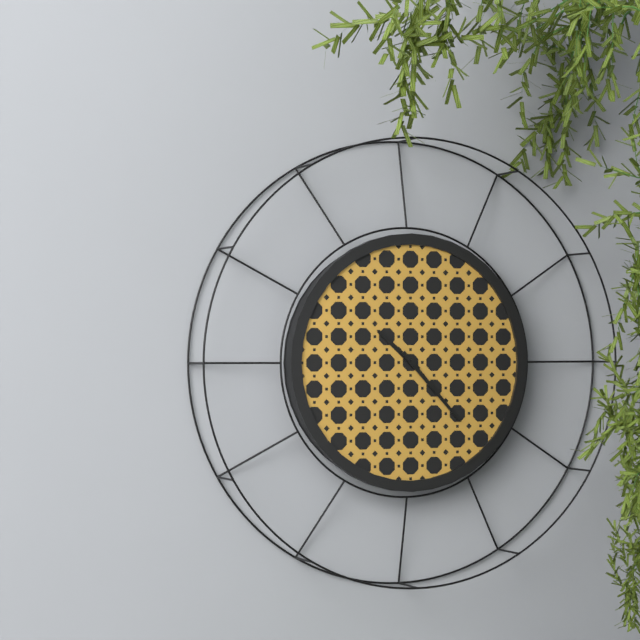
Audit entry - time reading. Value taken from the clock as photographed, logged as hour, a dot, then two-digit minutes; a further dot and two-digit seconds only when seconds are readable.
10.23
